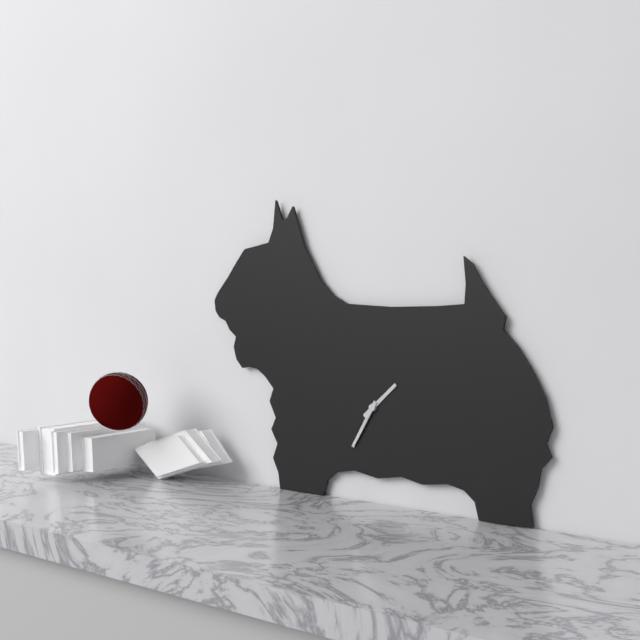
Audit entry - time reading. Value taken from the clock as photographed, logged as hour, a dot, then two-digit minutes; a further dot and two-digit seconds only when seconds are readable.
1.35
